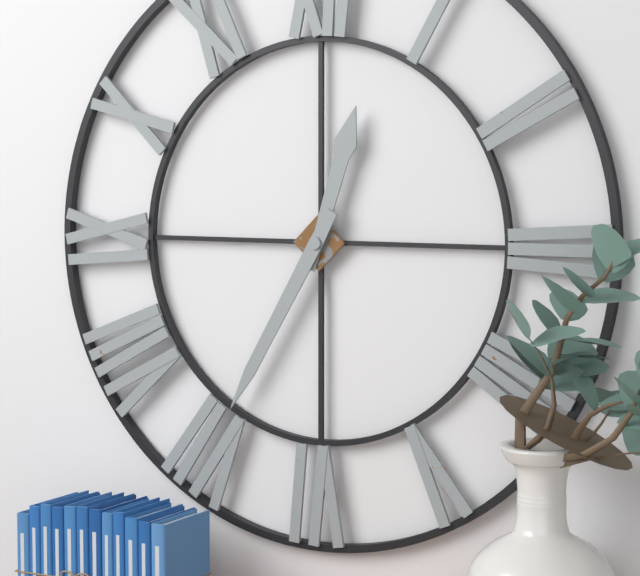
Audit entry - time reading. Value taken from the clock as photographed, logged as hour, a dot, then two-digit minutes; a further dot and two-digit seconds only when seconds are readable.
12.35
